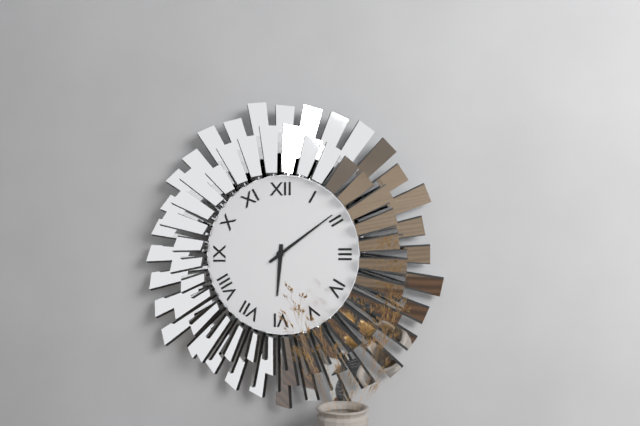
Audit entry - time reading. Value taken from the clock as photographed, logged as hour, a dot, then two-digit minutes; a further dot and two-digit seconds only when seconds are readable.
6.09
